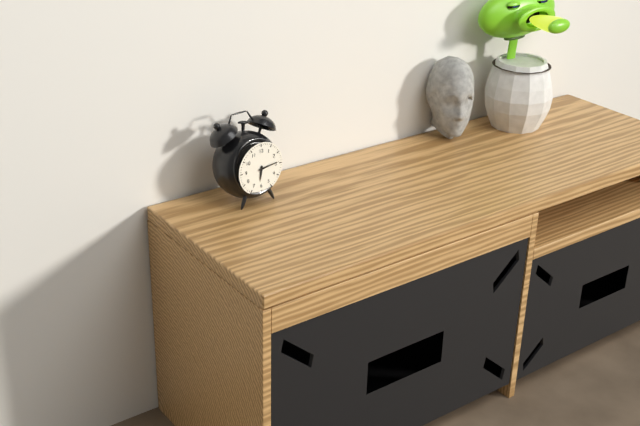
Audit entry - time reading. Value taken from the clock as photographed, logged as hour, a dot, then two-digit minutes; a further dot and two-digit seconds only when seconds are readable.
6.14
